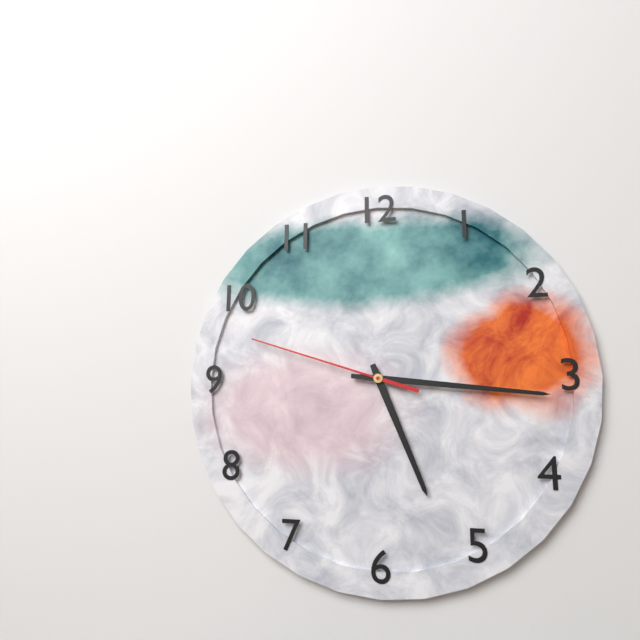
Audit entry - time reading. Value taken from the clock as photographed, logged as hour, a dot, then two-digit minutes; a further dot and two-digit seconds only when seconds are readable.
5.16.48
